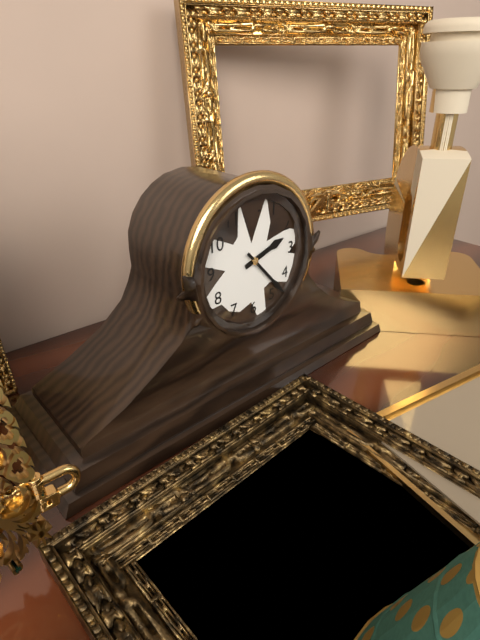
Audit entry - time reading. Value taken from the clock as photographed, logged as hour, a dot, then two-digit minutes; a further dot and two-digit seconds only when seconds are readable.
2.23
